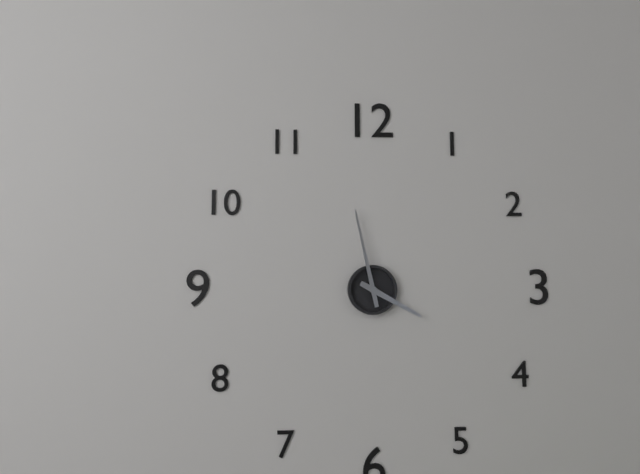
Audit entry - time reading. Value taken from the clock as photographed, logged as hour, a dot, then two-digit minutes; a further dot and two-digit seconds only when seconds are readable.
3.58
